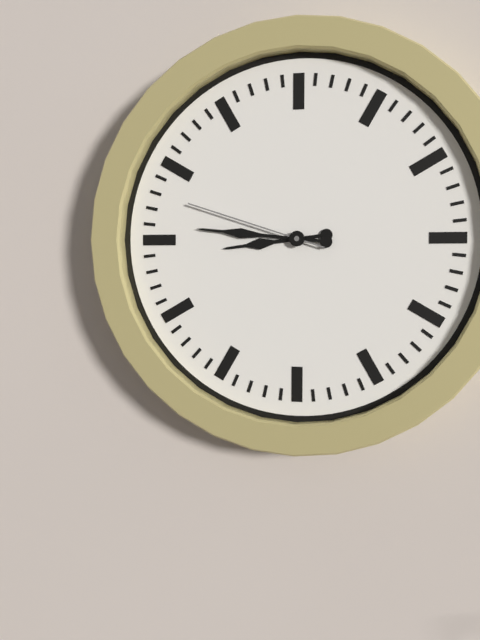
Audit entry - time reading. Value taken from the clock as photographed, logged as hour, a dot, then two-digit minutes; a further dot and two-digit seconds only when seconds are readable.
8.46.48
